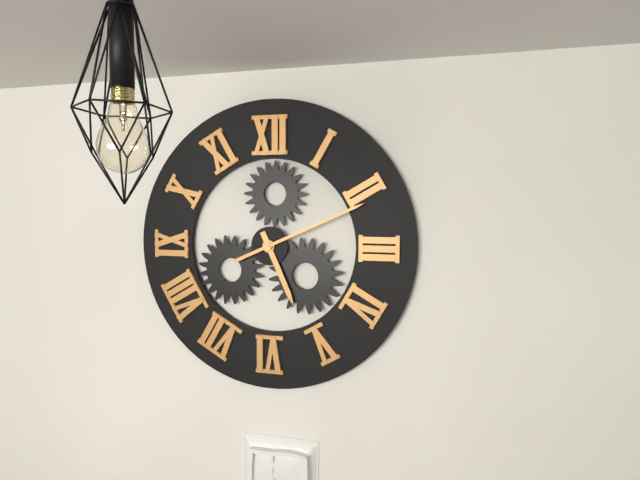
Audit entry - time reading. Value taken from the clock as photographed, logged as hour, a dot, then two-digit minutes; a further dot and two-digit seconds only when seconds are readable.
5.11
